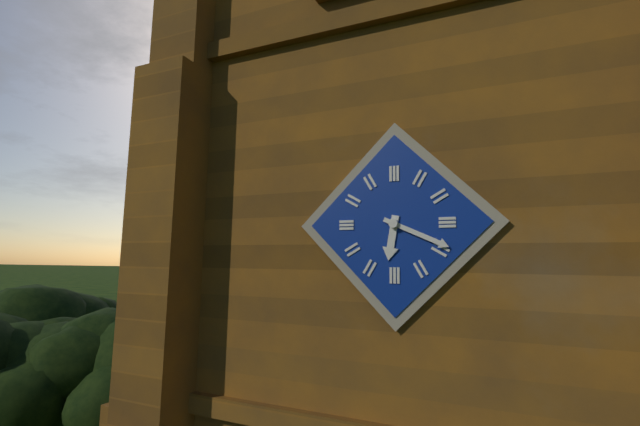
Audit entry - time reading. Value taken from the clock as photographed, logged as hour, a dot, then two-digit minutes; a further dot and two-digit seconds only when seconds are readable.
6.19
